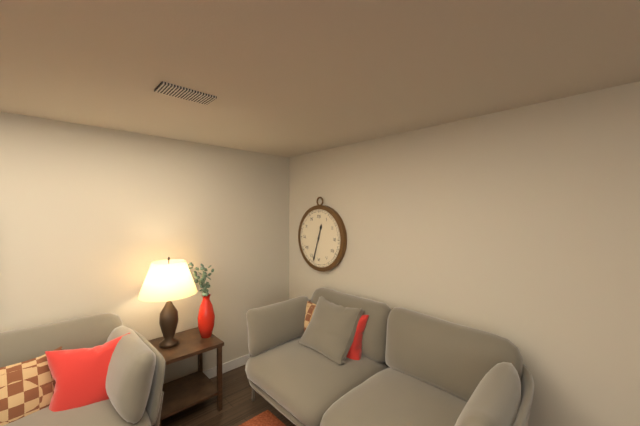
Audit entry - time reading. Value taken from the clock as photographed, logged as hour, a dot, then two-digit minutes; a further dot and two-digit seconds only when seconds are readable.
12.33
